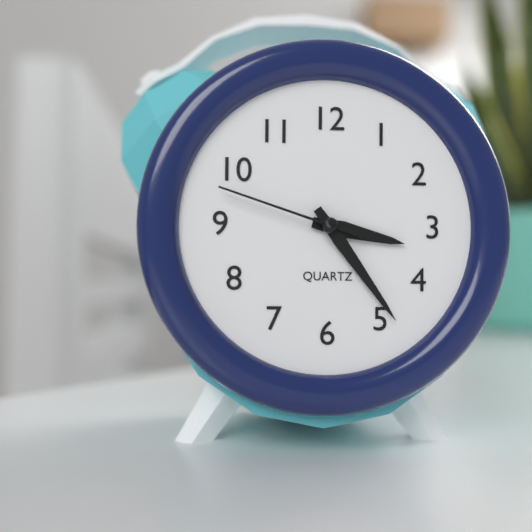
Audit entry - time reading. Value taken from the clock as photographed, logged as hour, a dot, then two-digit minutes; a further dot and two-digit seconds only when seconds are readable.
3.24.48
